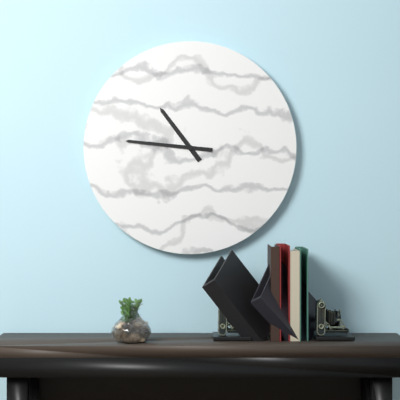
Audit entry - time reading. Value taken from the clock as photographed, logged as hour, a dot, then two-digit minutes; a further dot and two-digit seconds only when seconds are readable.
10.46
